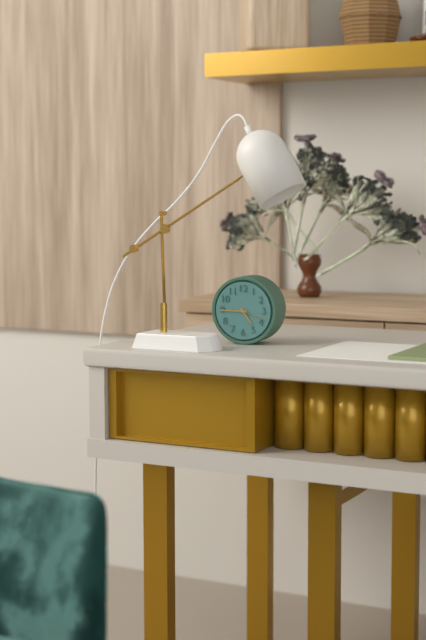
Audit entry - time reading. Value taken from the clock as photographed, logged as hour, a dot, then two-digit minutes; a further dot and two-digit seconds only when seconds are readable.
4.45
